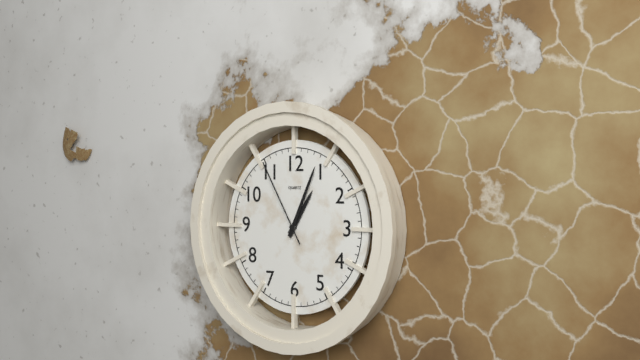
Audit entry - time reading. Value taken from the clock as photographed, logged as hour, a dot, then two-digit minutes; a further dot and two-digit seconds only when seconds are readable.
1.04.55
